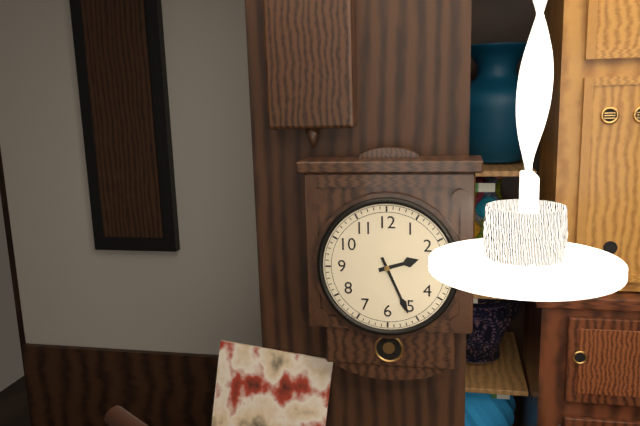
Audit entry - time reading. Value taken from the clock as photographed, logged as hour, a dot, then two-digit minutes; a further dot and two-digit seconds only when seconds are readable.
2.26
